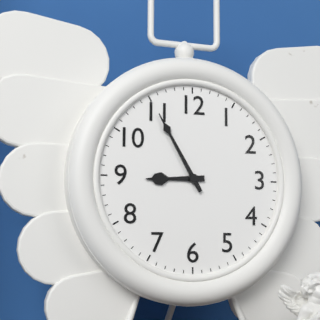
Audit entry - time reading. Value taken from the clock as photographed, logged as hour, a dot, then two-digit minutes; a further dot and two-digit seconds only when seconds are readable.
8.55
